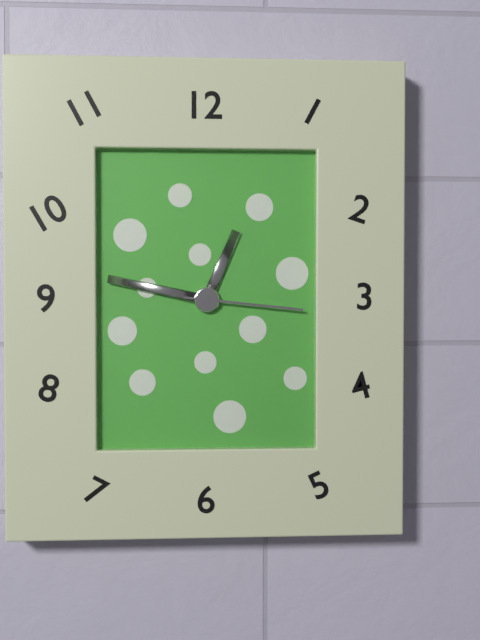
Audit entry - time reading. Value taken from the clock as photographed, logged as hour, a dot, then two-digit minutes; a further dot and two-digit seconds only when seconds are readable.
12.47.16
